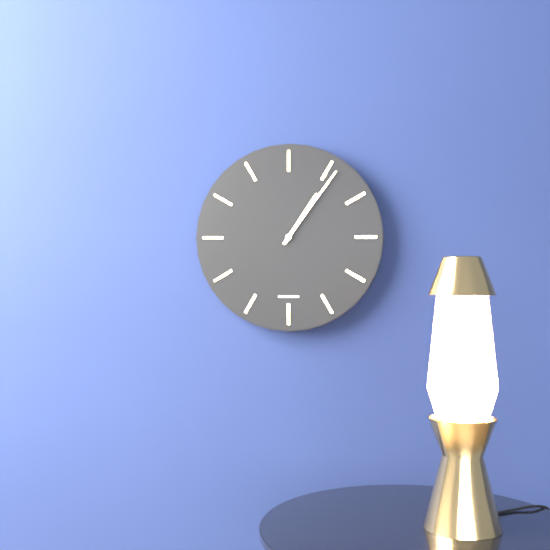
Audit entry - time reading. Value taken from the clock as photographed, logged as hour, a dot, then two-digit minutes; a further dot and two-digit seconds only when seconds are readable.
1.06
